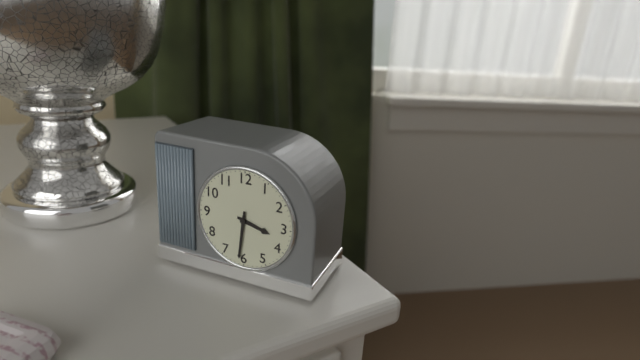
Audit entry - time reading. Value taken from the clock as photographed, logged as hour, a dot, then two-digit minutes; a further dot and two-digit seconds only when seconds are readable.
3.31
